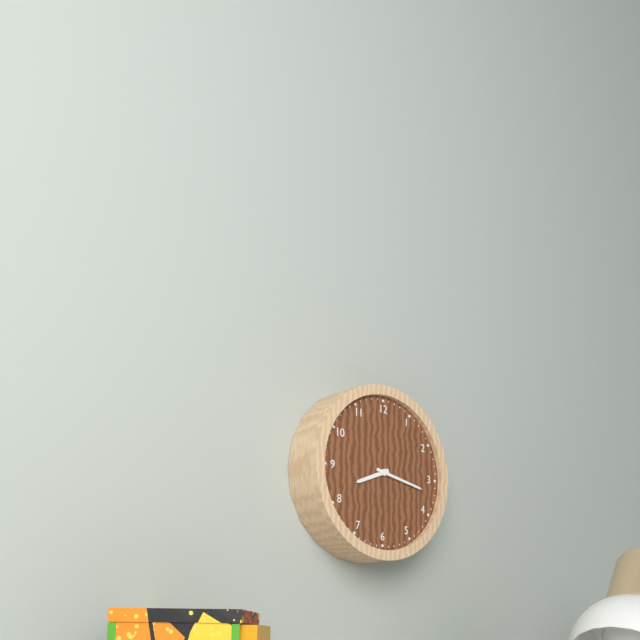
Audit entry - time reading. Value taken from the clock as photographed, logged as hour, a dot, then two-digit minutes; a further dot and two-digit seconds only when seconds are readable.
8.17
